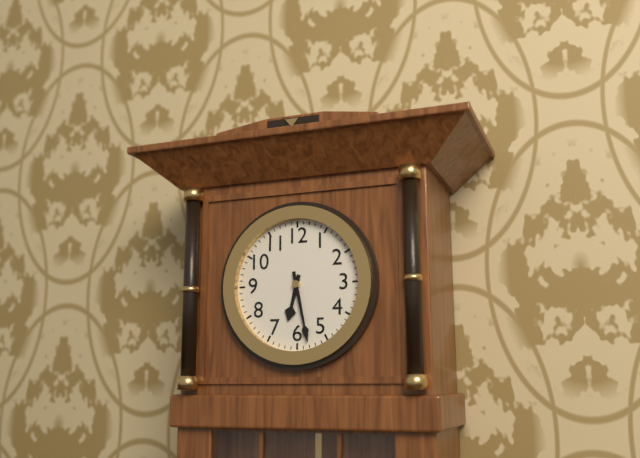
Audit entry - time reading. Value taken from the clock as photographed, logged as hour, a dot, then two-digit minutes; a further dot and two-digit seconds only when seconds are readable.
6.28
